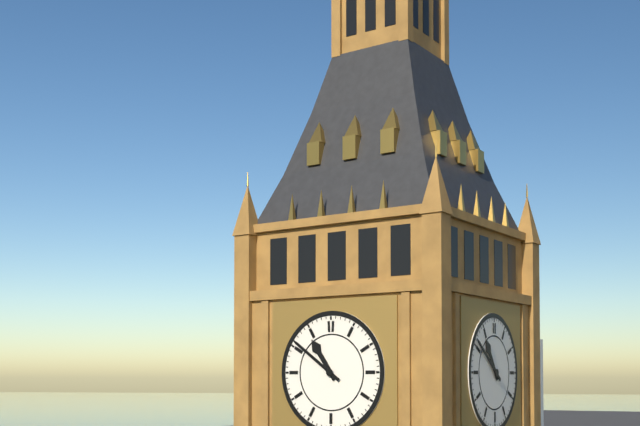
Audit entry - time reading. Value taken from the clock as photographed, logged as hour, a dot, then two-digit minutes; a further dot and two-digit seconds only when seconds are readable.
10.51
